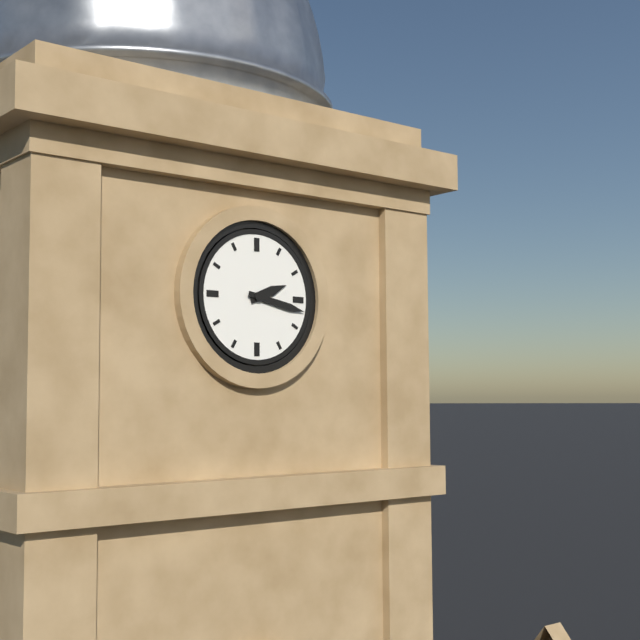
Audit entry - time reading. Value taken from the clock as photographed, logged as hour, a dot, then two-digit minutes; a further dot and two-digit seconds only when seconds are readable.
2.17
